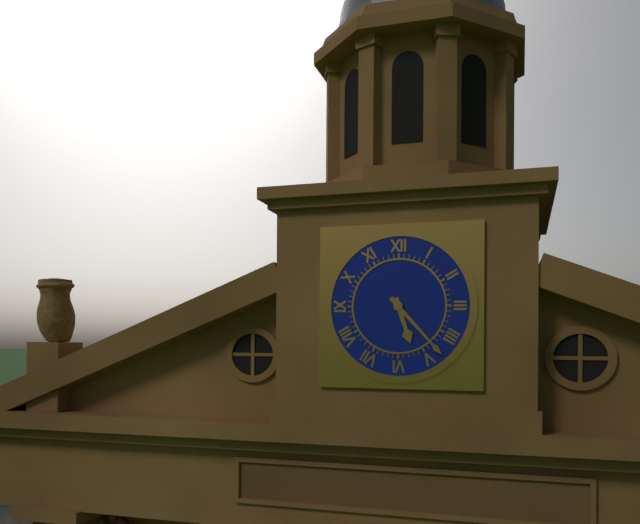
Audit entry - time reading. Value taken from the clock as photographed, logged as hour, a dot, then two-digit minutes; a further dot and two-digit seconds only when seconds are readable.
5.23
